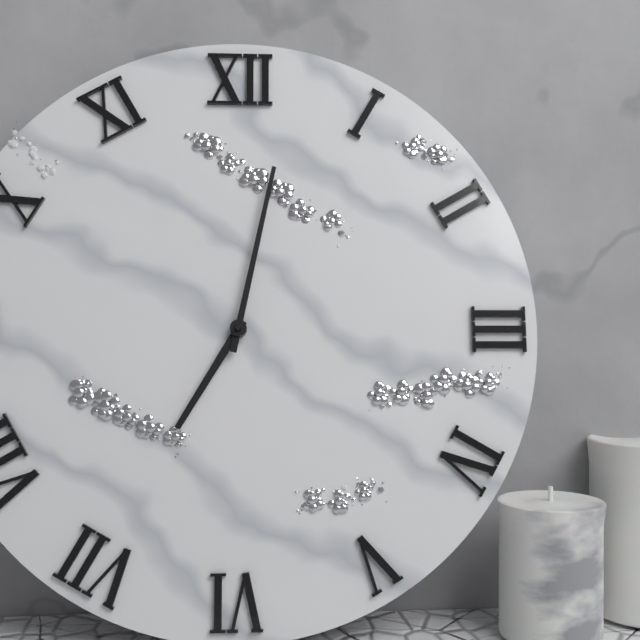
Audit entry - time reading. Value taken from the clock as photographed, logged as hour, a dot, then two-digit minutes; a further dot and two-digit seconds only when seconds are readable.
7.02
